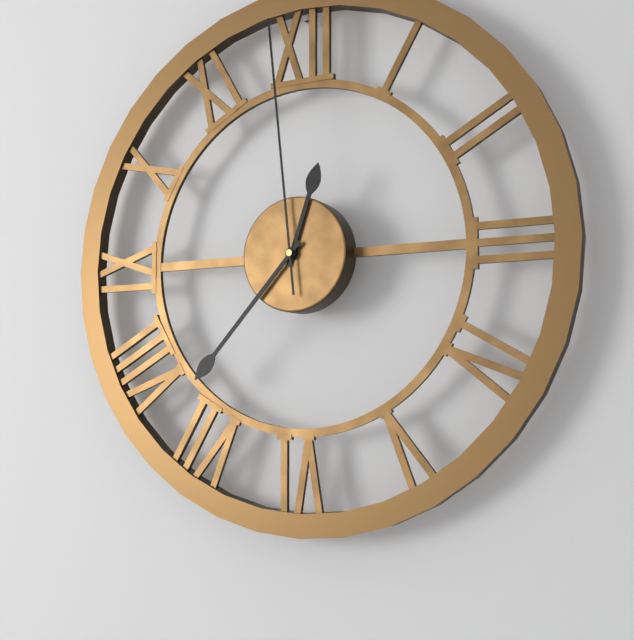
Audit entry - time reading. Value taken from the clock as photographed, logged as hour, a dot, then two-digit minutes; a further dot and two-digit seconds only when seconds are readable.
12.37.59
